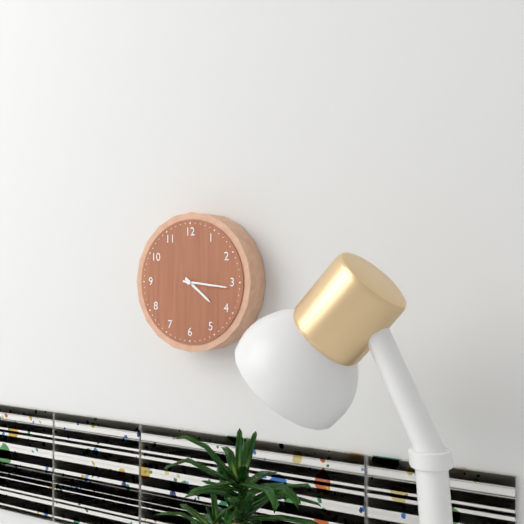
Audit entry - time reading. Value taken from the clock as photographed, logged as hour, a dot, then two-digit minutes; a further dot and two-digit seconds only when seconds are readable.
4.16
